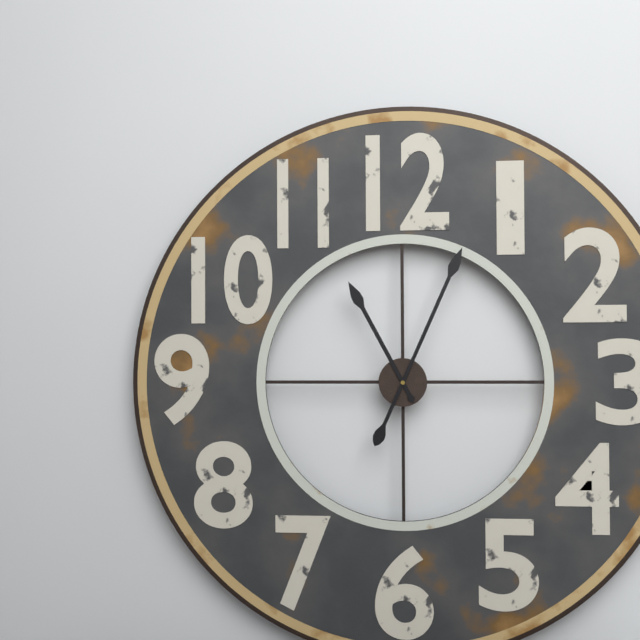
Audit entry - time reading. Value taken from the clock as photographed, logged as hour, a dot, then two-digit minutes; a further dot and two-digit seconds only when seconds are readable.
11.04
